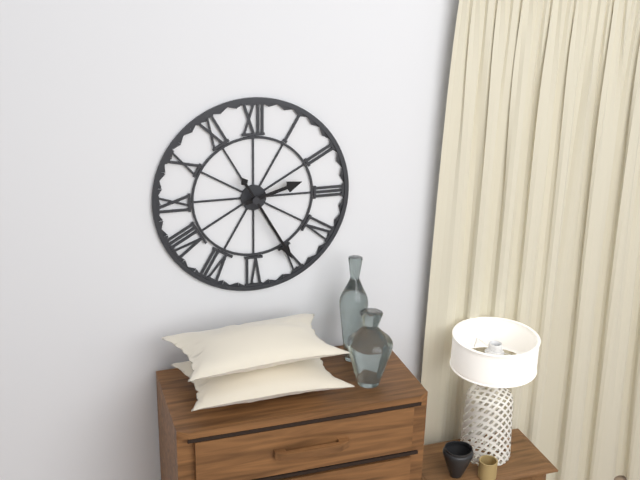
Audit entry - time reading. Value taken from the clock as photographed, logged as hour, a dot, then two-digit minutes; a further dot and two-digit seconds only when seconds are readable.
2.25
